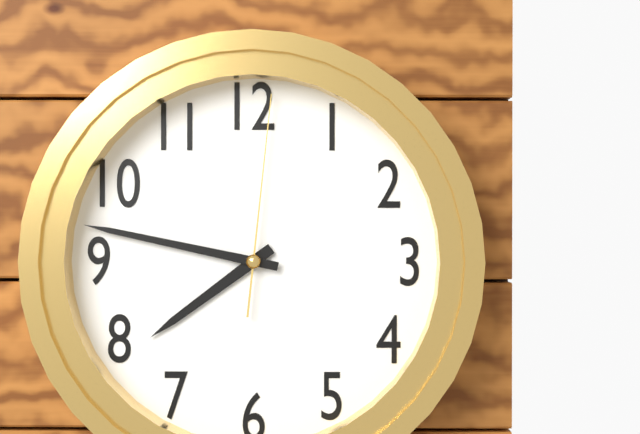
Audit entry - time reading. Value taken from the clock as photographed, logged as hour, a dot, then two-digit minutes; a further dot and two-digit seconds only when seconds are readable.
7.47.01
